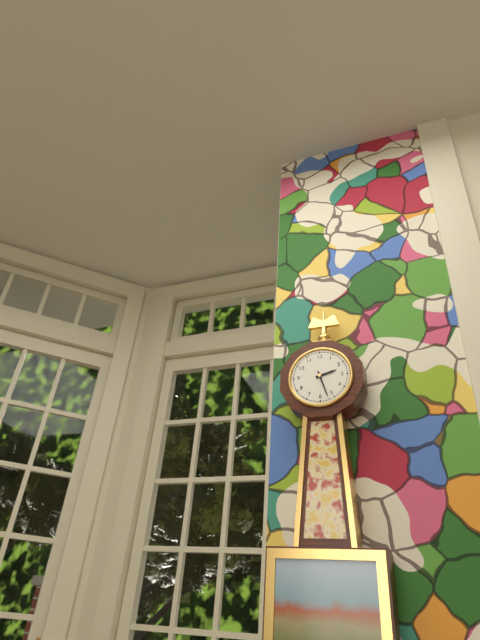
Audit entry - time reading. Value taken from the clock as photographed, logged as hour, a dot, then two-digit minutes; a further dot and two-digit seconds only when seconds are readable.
2.27
